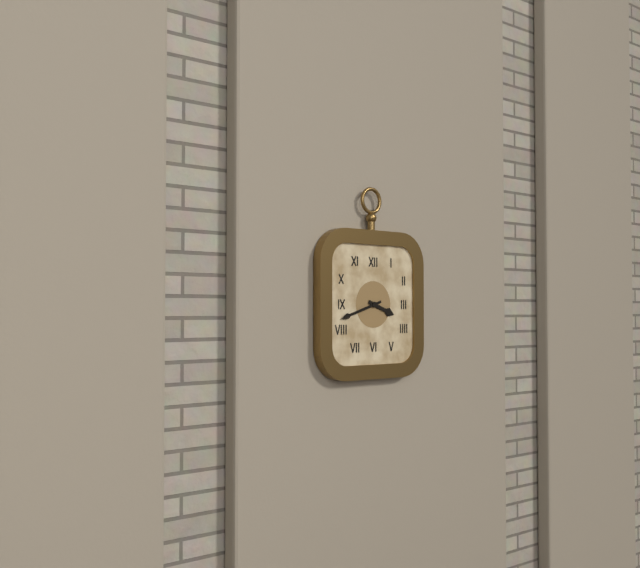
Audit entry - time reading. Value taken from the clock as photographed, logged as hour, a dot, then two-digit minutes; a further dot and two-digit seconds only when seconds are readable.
3.42
